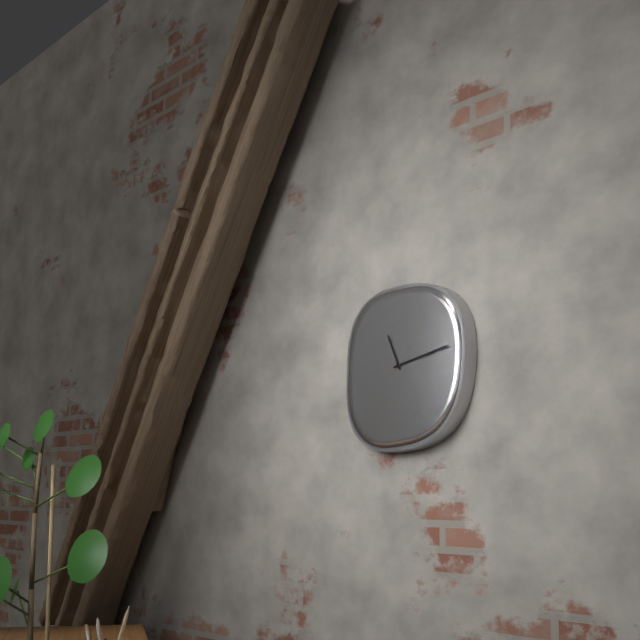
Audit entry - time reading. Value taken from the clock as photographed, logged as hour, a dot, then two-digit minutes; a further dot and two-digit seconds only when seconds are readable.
11.13
